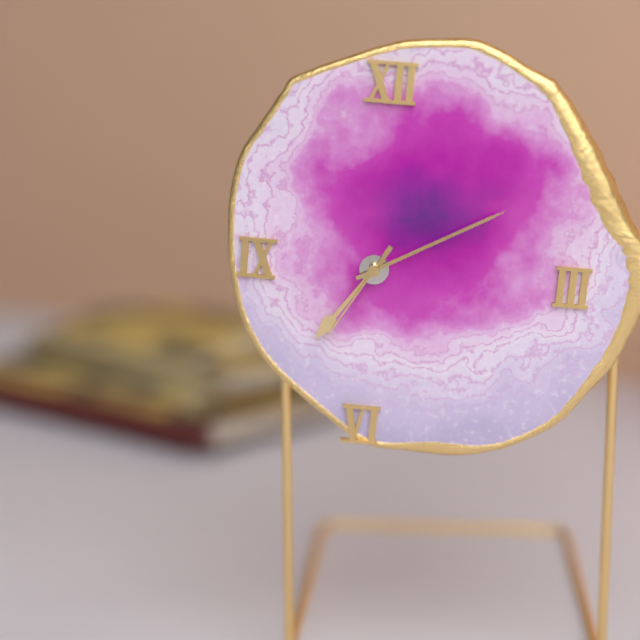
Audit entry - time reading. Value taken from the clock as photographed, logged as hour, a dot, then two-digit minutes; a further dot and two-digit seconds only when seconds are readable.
7.10.35
